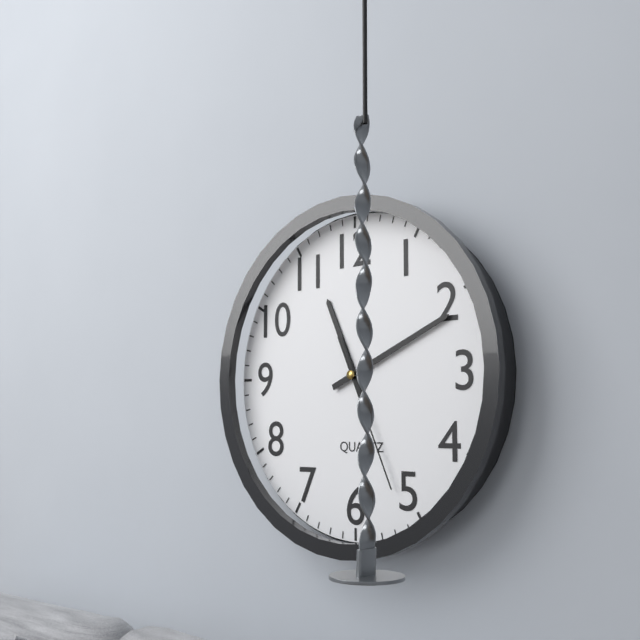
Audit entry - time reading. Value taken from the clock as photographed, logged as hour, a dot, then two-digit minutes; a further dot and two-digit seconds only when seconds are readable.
11.11.26
